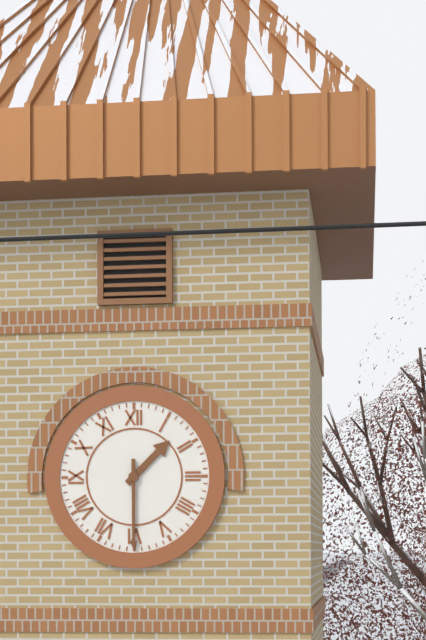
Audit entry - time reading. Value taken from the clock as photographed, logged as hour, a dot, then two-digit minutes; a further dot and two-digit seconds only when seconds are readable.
1.30
